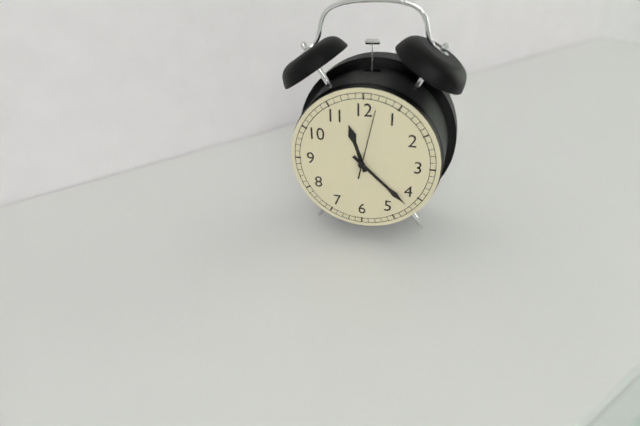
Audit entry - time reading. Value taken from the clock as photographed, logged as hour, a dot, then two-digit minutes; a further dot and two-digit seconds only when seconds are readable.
11.22.02
